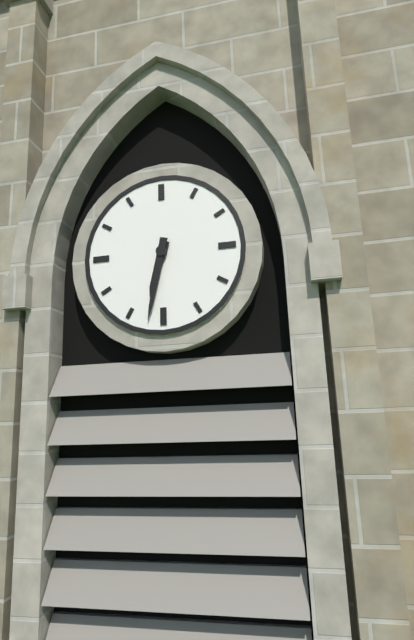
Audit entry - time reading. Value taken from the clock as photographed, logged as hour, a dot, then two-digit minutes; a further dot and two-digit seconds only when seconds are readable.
6.32
